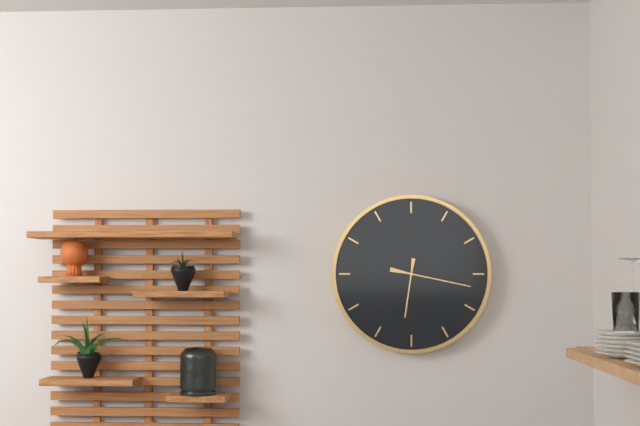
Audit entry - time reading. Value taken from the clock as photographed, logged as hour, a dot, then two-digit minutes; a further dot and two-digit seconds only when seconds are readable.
6.17
